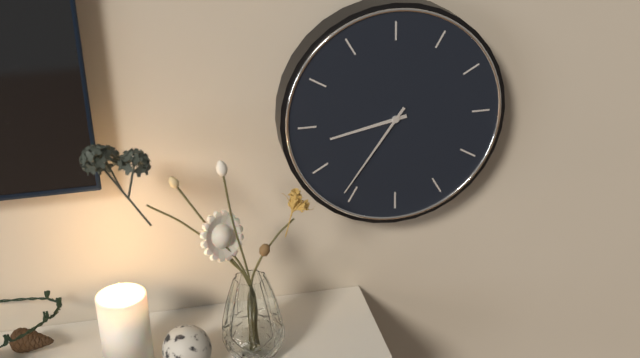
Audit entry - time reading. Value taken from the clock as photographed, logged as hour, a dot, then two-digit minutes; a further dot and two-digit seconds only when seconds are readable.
8.36
